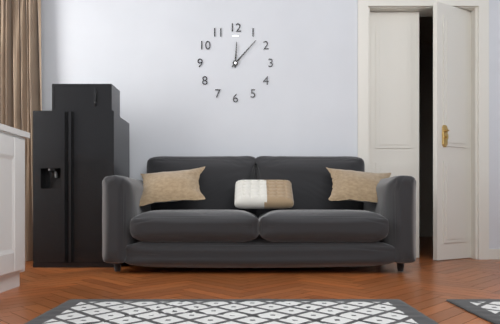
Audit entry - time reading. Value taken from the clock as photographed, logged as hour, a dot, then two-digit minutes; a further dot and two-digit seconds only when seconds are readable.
12.07
